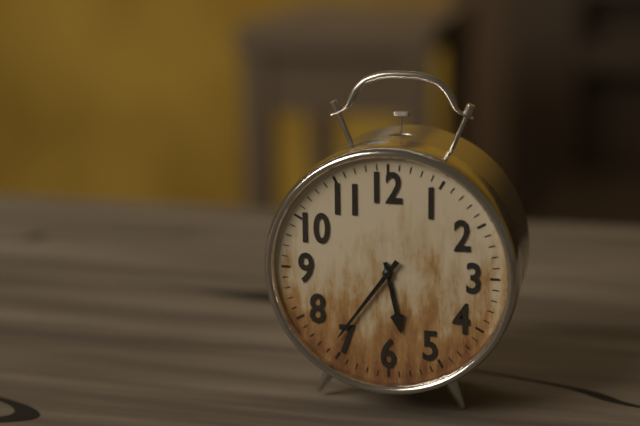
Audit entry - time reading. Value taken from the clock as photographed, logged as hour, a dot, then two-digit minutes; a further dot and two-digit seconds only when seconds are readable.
5.36
